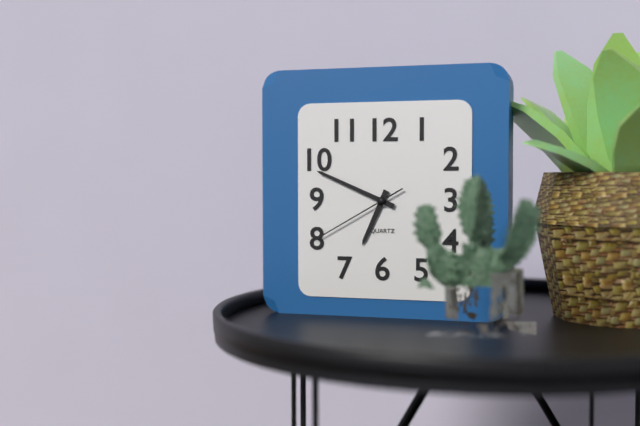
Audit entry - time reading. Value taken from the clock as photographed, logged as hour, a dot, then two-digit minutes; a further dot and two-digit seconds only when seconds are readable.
6.49.40
